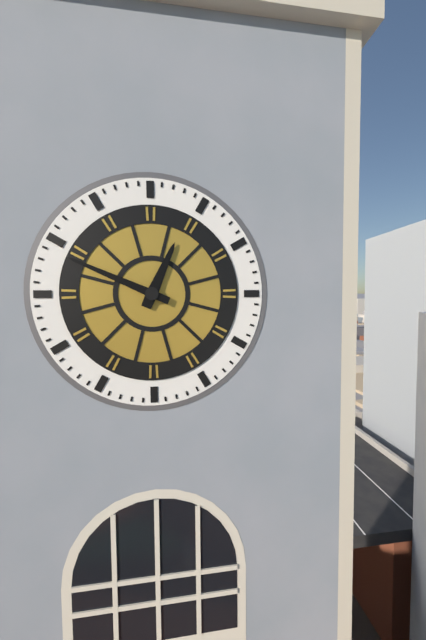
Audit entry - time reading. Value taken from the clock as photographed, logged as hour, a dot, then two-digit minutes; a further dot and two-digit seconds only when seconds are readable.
12.49
